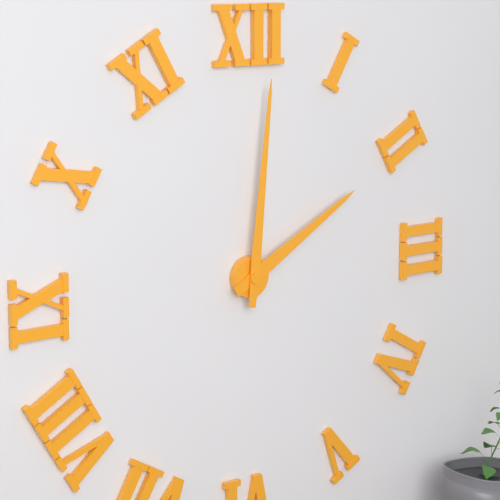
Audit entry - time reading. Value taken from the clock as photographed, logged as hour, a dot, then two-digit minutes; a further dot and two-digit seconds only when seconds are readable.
2.01
